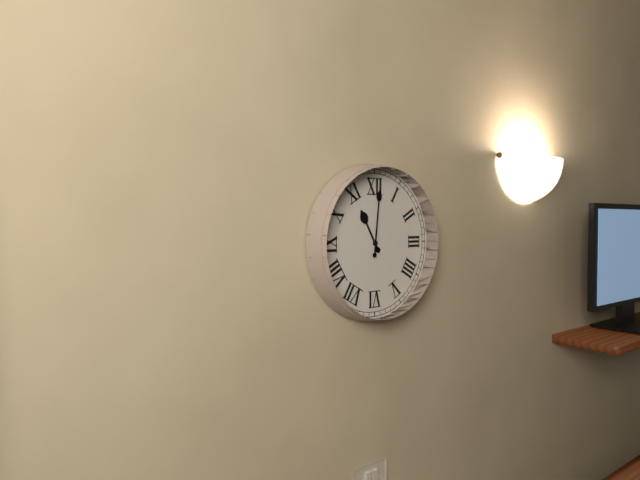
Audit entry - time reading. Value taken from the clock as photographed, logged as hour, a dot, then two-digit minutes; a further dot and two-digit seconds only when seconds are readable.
11.01
